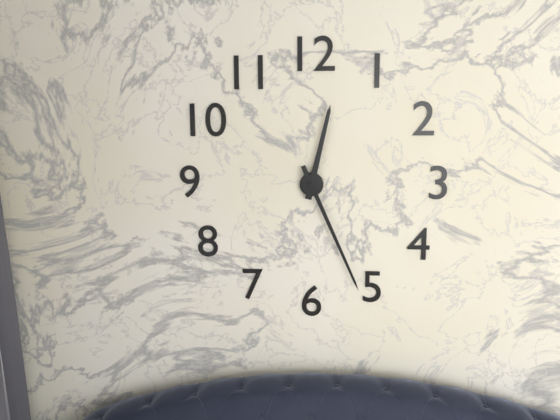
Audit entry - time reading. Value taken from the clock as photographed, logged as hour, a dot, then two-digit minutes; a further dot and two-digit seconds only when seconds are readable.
12.26
